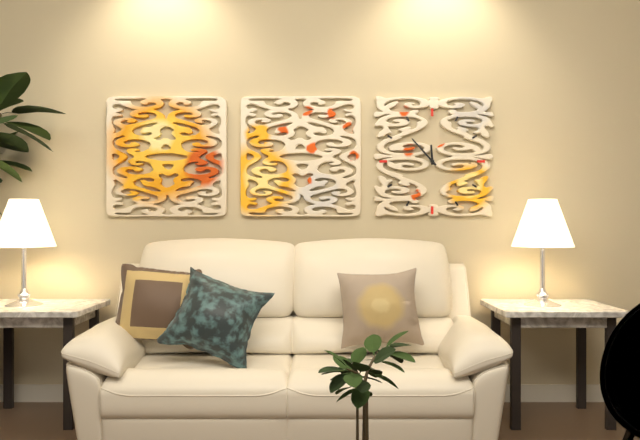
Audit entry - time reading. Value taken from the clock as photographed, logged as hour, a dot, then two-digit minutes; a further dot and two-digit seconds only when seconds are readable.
11.53
